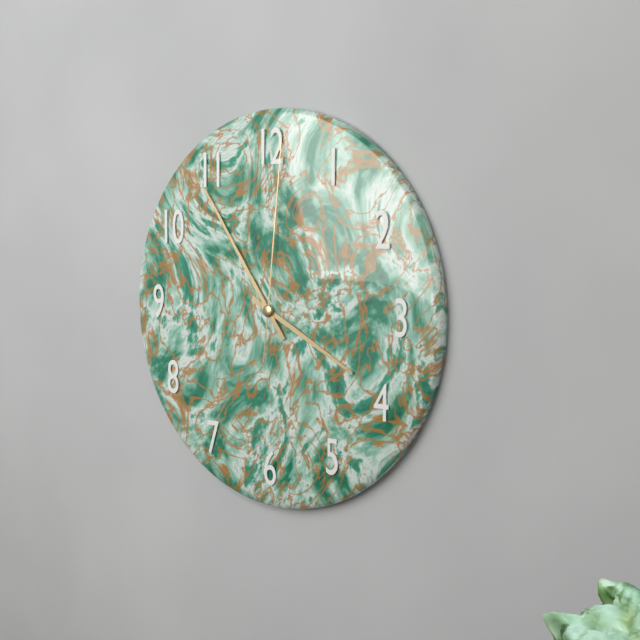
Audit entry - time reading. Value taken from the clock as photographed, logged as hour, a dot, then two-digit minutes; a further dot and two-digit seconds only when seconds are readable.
3.54.01
